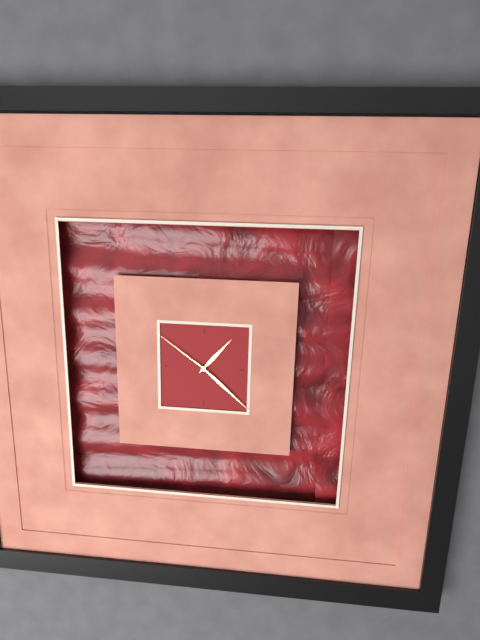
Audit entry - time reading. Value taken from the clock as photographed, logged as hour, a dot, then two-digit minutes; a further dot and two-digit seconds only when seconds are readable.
1.22.51
